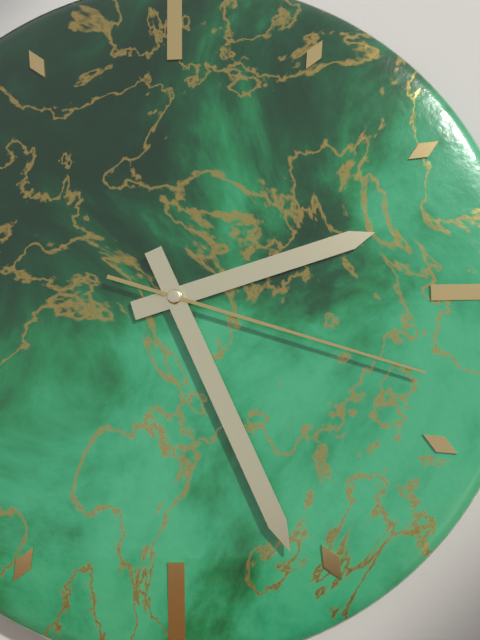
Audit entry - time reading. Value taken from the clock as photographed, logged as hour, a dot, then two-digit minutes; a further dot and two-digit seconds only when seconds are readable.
2.26.18
